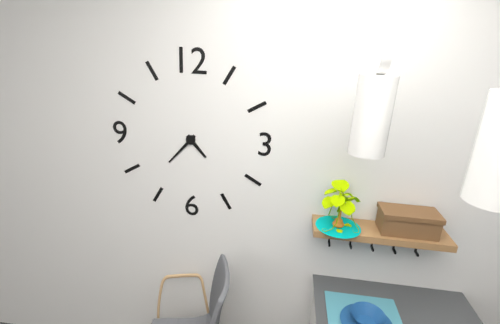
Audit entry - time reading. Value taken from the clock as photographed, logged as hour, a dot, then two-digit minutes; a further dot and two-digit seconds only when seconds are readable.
4.37
